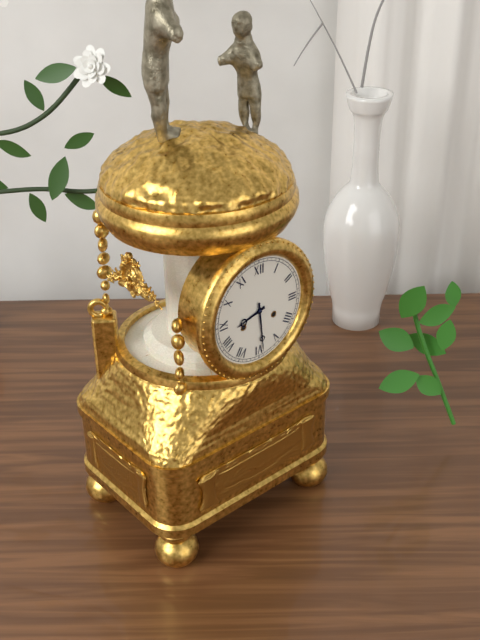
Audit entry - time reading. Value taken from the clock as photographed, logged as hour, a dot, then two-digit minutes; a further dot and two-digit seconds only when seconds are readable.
8.29
